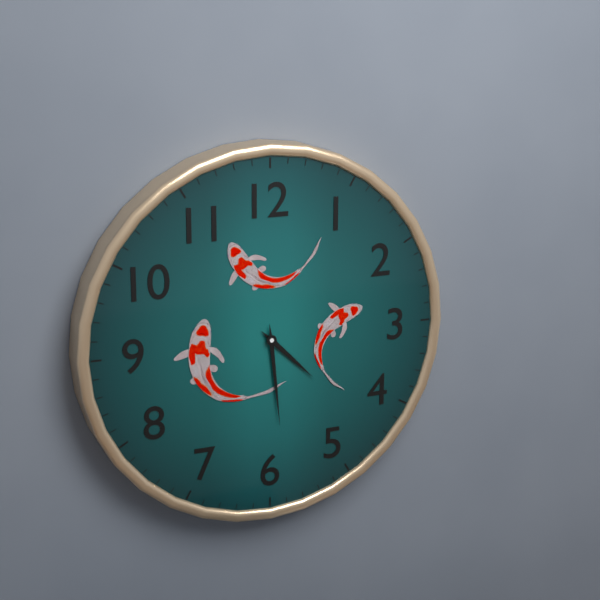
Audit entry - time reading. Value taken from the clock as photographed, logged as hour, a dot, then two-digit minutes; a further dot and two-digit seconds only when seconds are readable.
4.29
